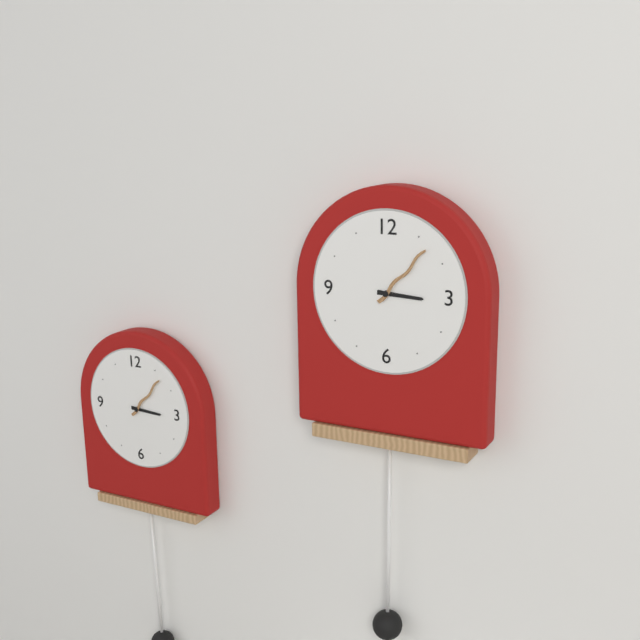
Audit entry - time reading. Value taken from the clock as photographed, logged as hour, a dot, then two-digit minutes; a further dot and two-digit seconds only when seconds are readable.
3.07
